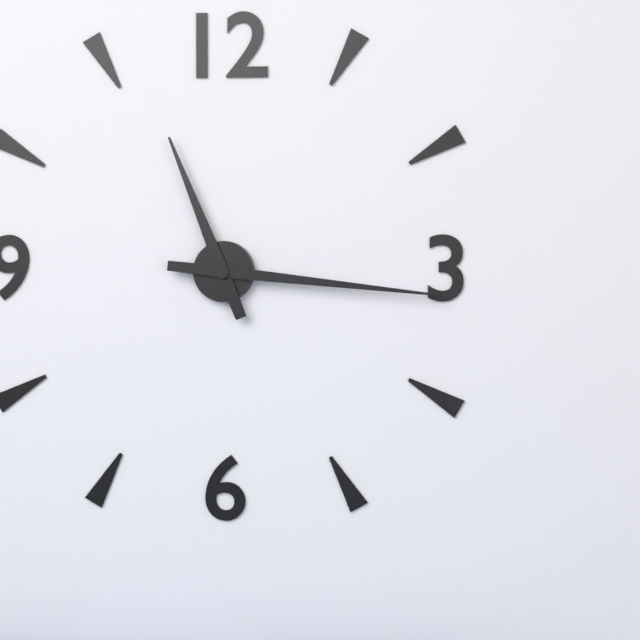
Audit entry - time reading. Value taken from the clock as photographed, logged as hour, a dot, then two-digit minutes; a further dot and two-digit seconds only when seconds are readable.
11.16
